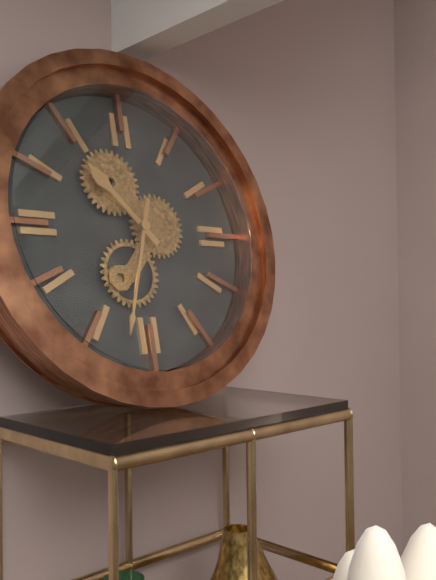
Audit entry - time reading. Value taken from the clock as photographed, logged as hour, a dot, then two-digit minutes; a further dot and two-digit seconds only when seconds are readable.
10.33
